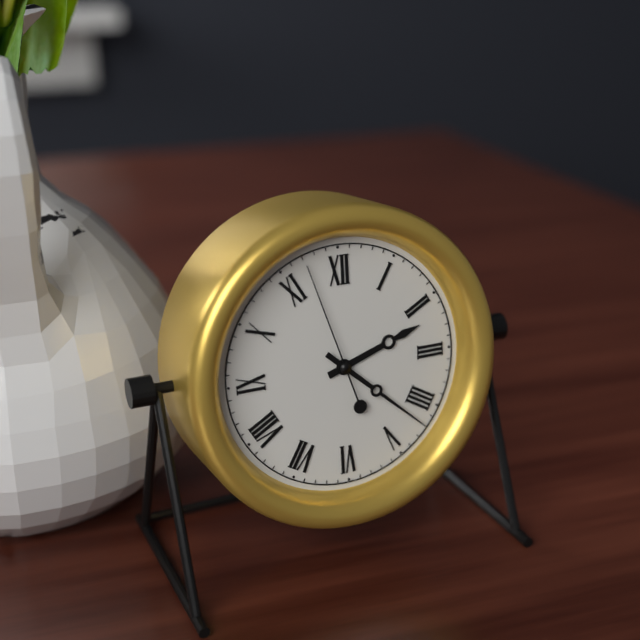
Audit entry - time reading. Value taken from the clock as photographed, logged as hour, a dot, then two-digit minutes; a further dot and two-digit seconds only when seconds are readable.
2.22.57
